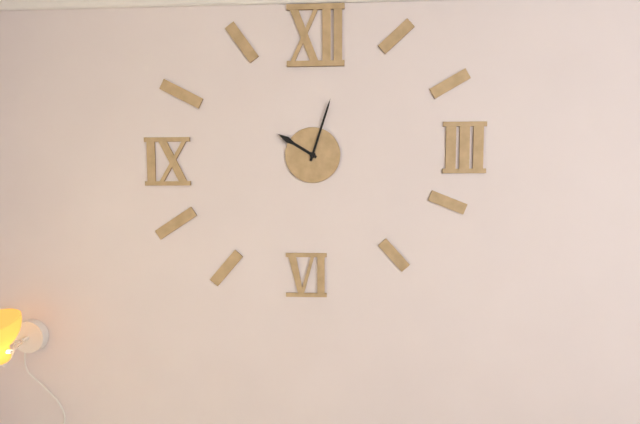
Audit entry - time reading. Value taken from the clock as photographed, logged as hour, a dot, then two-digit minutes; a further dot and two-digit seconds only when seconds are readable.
10.03
